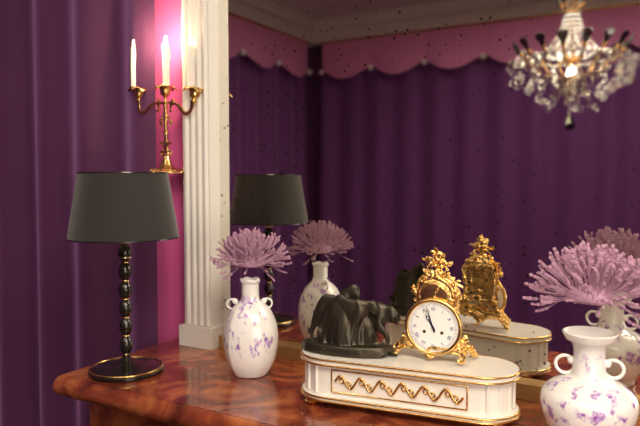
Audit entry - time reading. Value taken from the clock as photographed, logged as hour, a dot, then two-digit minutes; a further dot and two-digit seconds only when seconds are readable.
10.57
